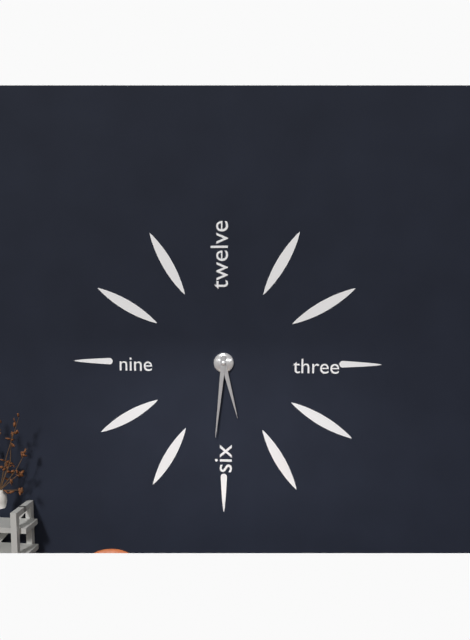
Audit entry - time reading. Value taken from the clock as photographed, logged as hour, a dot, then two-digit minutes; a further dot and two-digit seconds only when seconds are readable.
5.31
